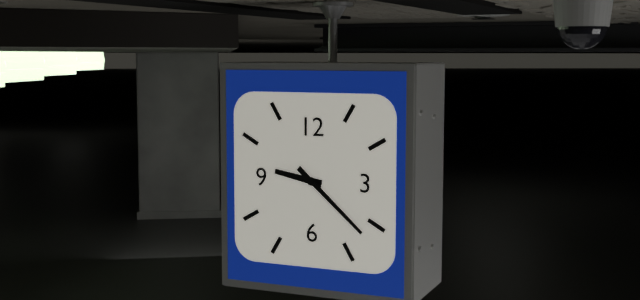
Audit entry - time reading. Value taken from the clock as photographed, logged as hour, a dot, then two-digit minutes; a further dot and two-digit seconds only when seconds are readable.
9.22
